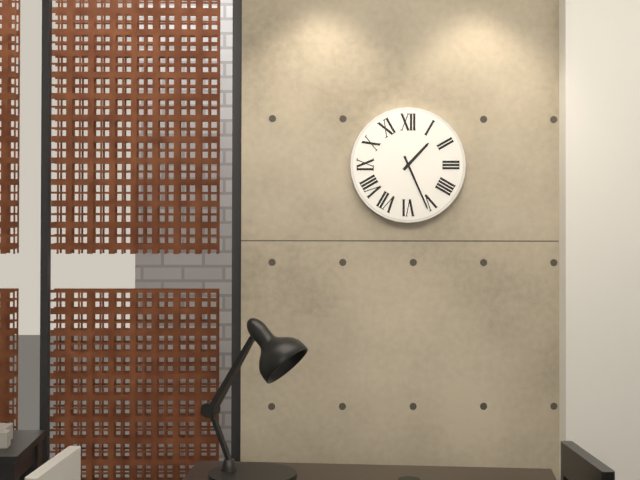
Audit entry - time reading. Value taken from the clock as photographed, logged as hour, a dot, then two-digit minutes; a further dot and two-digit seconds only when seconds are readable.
1.26
